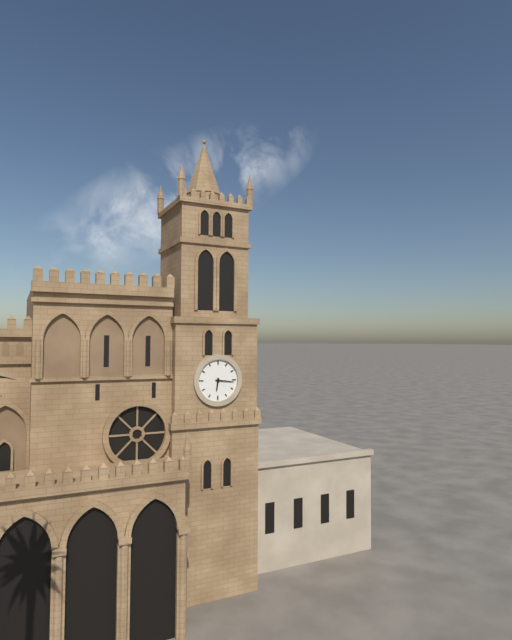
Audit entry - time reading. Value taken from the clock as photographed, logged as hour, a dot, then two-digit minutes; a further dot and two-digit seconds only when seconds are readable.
6.16
